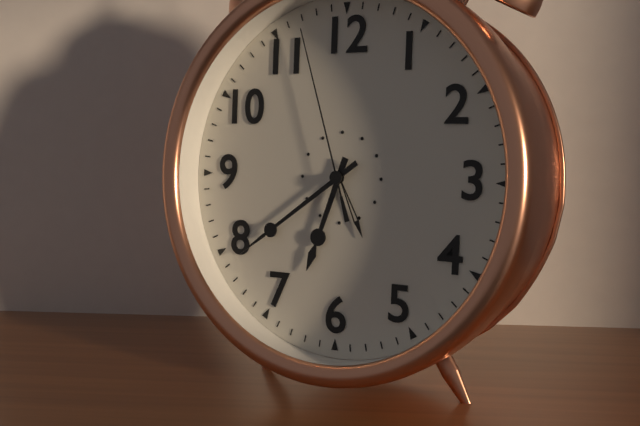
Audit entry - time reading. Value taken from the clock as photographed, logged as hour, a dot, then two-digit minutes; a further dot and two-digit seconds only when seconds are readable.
6.39.57
